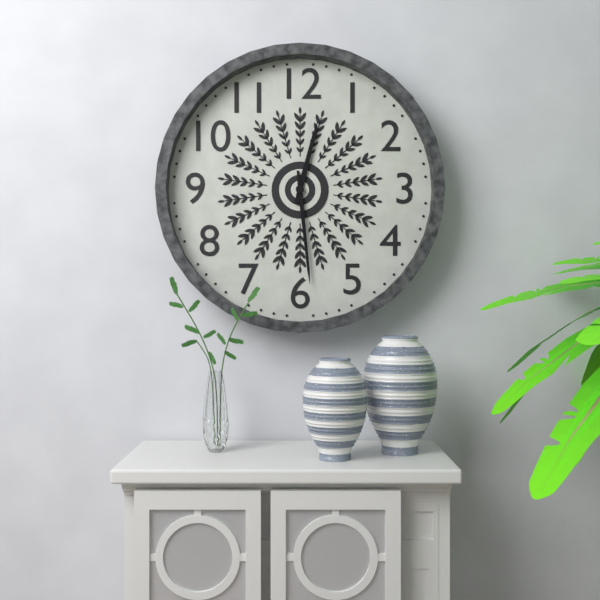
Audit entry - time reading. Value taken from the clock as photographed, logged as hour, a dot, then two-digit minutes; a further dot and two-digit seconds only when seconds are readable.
12.29
